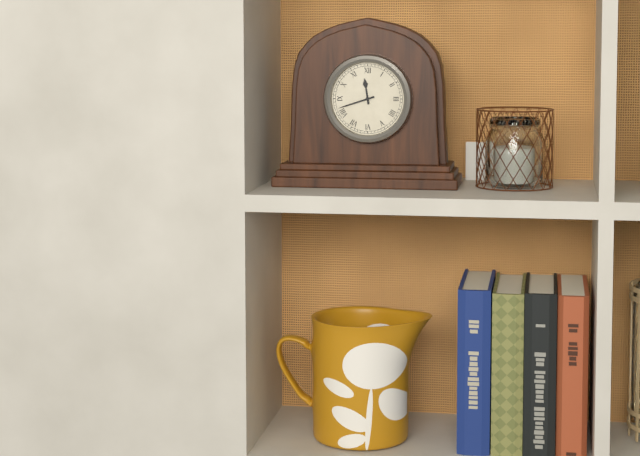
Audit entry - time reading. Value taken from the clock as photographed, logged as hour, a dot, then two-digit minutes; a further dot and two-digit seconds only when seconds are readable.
11.42
